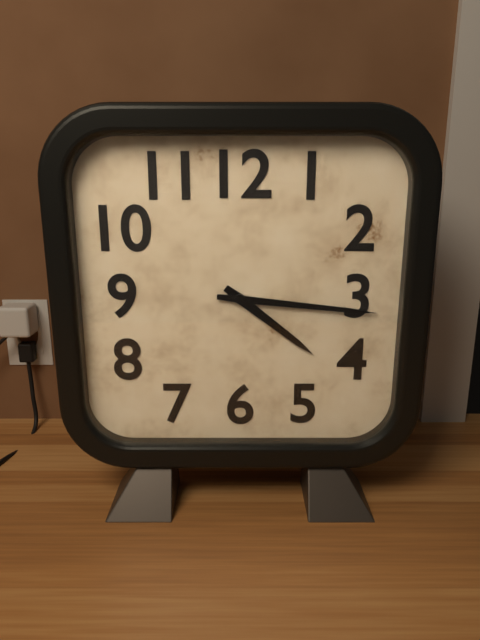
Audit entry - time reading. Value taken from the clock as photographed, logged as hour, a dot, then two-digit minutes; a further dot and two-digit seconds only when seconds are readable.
4.16
